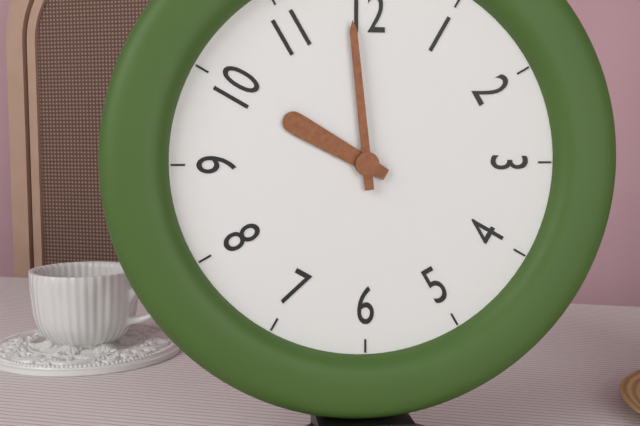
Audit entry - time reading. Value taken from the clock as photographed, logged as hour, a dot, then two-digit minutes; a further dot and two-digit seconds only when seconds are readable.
9.59
